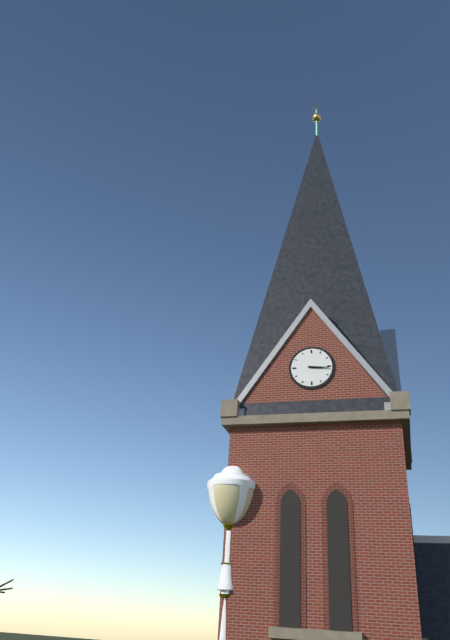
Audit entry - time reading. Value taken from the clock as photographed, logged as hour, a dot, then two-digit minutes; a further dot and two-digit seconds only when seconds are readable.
3.16
